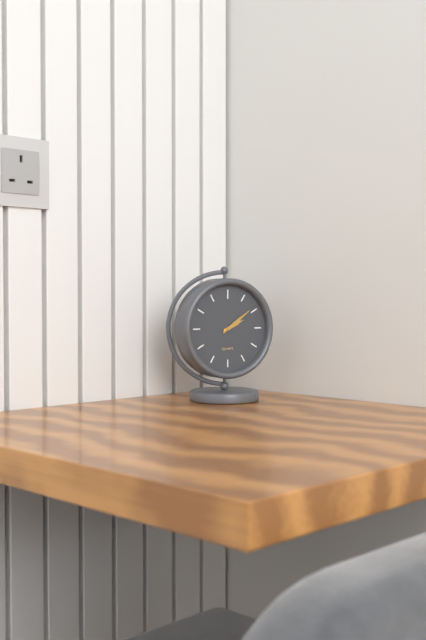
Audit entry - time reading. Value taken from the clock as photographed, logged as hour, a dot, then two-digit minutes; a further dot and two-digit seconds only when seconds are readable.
2.09
